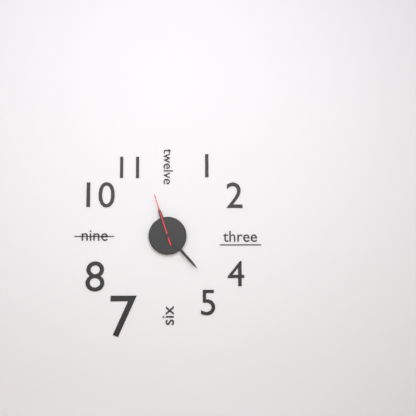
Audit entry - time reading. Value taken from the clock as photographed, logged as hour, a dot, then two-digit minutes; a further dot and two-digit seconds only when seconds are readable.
11.23.57
